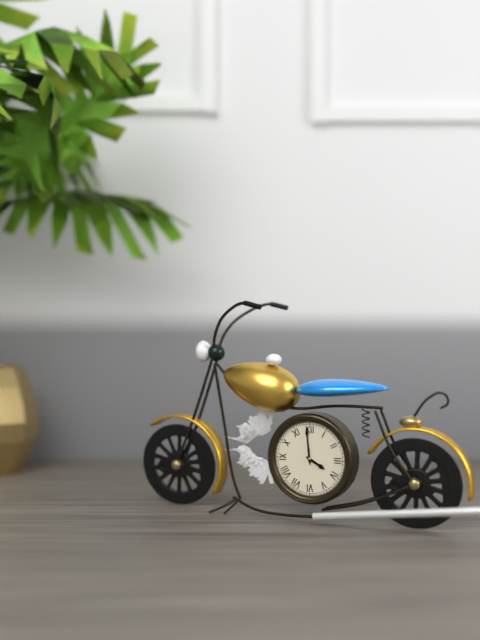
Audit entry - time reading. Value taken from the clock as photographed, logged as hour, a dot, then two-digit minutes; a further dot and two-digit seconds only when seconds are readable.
3.59
